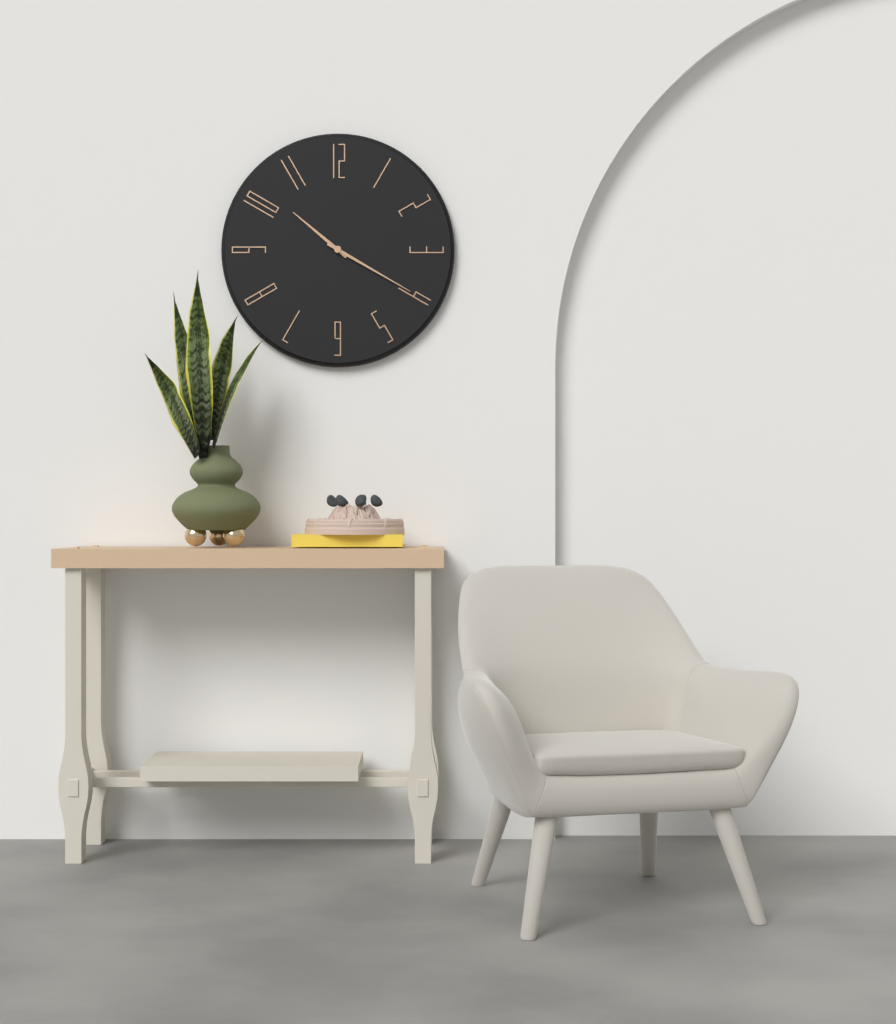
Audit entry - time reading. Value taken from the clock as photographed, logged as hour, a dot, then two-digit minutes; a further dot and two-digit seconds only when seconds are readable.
10.20
